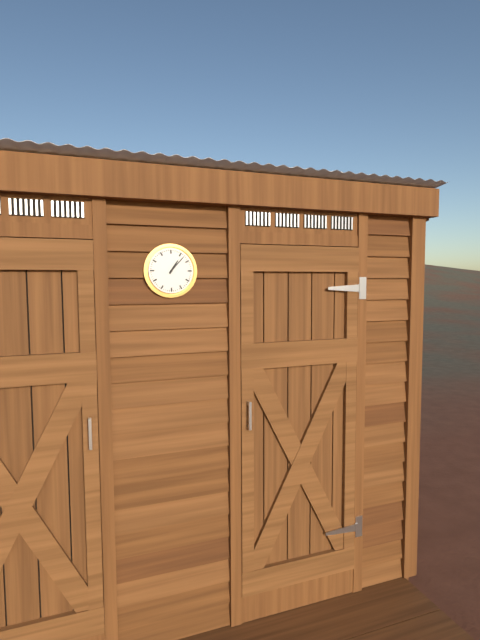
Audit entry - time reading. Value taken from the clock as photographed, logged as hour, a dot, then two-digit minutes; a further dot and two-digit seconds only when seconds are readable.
1.07
